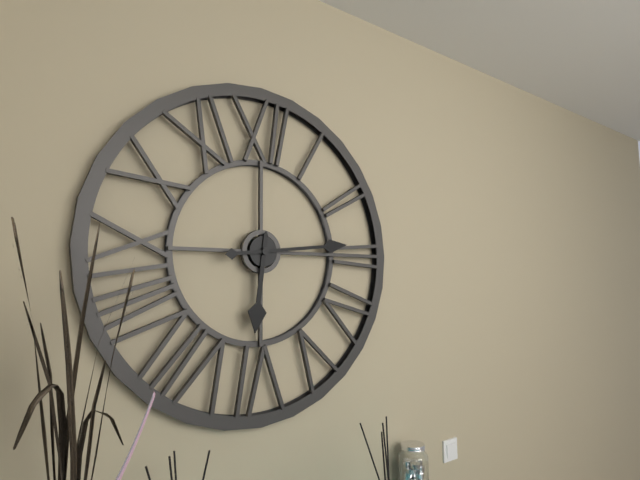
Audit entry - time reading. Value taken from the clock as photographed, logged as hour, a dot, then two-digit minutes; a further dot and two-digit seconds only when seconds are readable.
6.14
